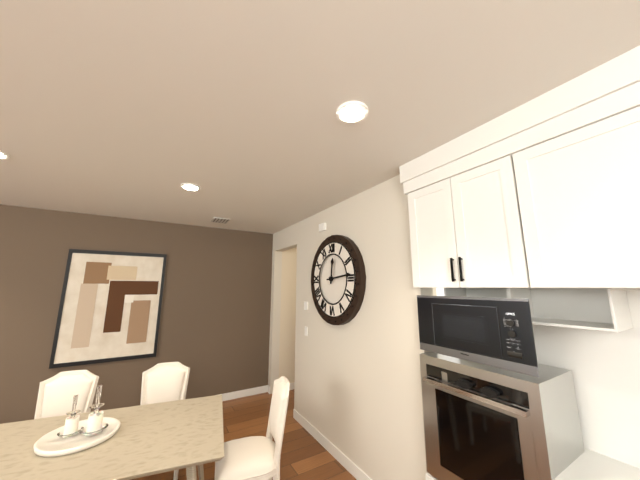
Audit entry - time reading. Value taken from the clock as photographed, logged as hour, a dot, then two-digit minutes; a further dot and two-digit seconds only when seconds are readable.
12.14
